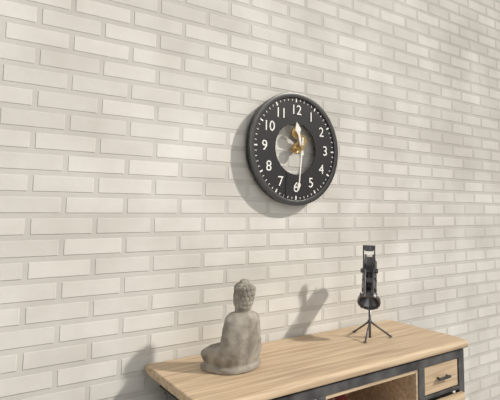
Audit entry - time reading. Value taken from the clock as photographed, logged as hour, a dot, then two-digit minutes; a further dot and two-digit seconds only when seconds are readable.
11.31
